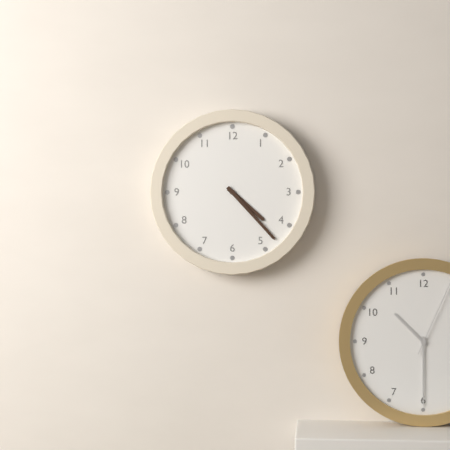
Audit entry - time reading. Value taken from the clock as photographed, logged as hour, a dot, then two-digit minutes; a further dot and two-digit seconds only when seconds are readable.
4.23
